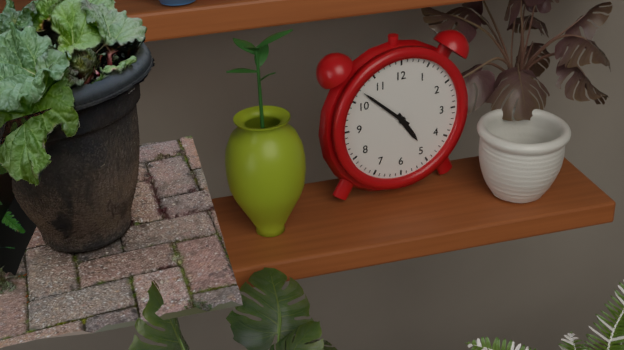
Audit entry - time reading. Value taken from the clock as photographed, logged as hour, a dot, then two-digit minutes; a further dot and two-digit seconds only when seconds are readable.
4.52
